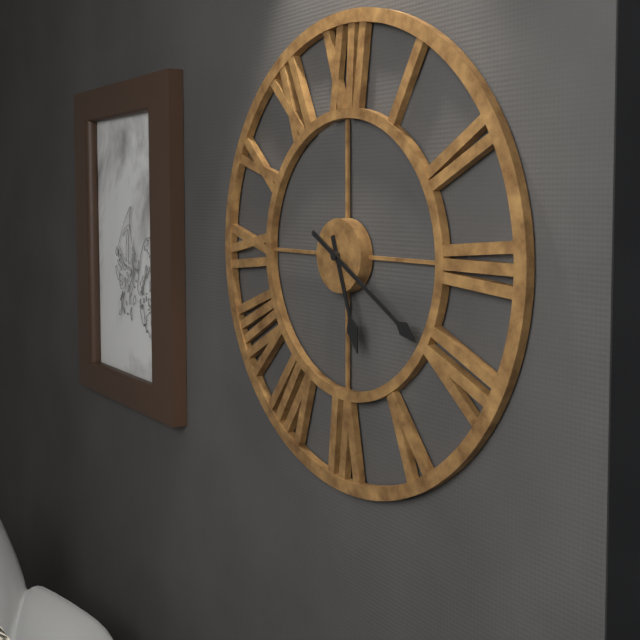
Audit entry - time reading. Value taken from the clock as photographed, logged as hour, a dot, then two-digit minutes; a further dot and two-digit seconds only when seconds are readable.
5.20
